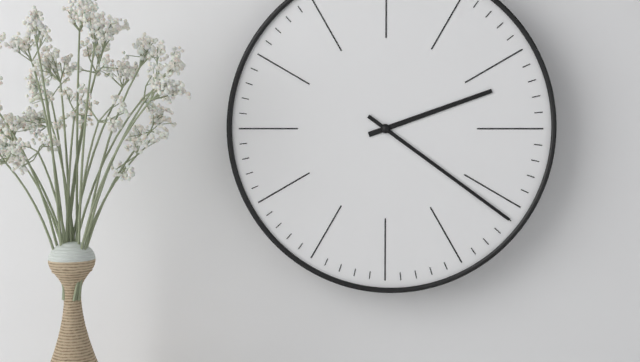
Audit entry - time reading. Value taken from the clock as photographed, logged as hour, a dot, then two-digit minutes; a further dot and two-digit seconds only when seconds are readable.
2.21
